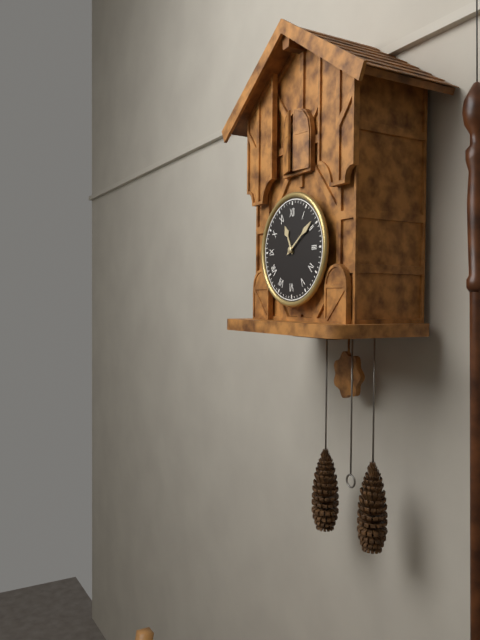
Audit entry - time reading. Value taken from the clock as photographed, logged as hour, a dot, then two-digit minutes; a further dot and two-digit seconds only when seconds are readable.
11.09
